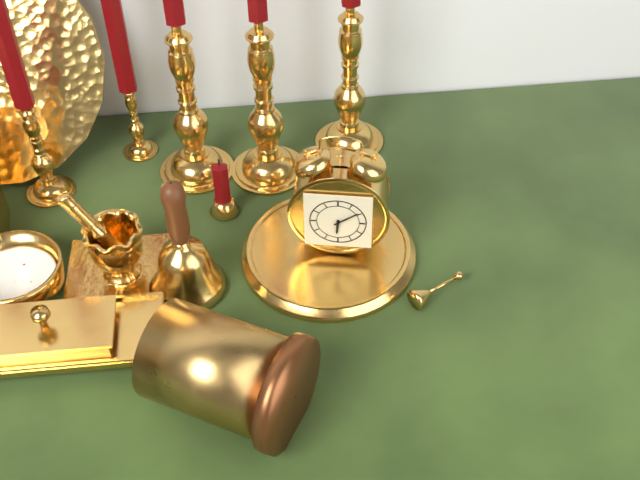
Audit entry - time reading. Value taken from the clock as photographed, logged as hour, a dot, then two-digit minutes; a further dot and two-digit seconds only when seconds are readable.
6.09
